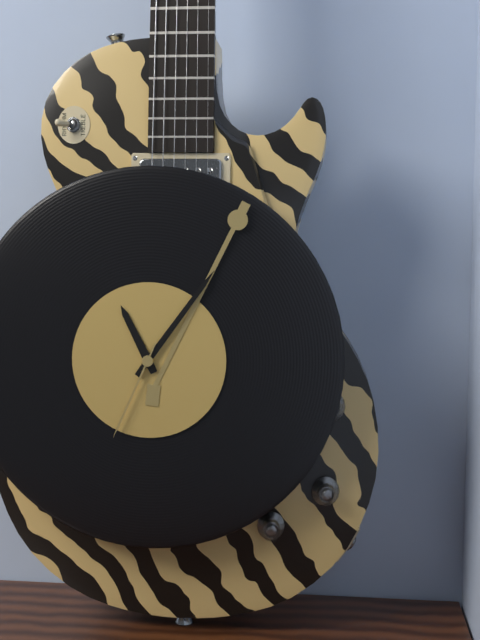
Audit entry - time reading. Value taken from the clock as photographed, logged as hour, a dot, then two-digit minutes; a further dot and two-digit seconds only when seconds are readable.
11.06.34
